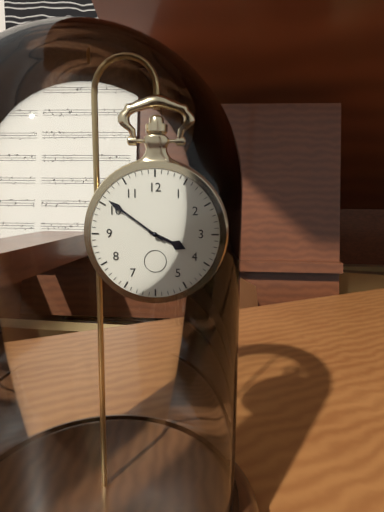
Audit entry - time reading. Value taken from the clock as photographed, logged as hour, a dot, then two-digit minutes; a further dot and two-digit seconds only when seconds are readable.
3.51
